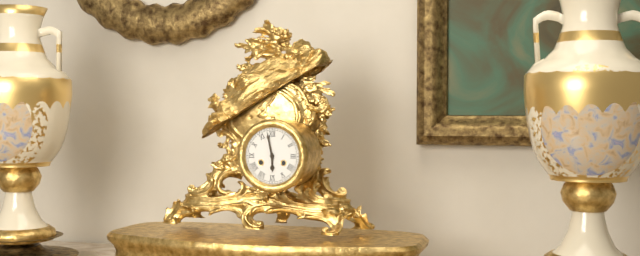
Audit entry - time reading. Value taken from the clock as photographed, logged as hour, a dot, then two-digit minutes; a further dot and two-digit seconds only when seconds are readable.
5.58
